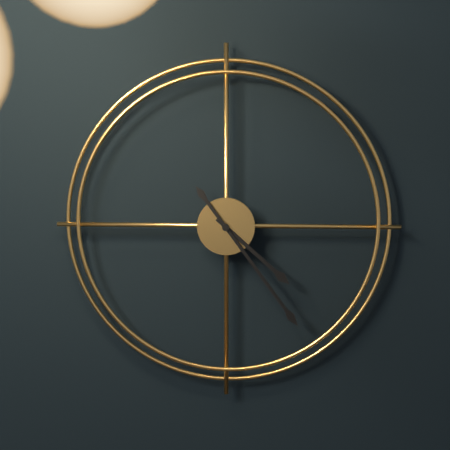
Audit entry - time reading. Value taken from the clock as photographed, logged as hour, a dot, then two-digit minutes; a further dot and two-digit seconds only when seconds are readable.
4.24
